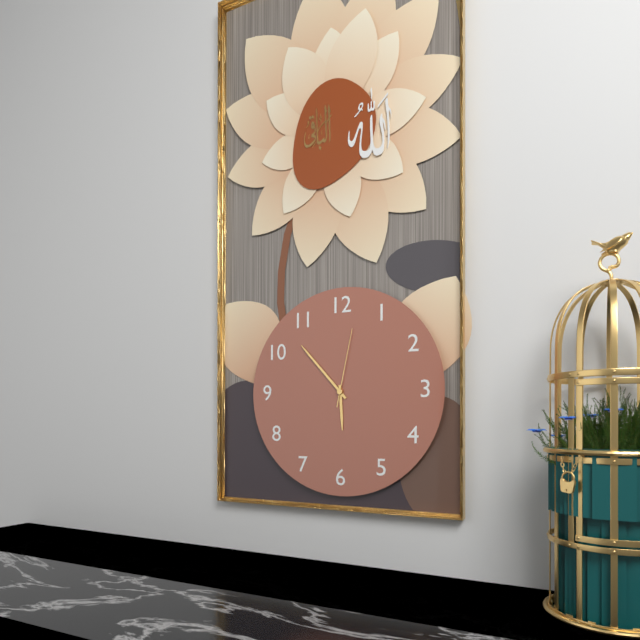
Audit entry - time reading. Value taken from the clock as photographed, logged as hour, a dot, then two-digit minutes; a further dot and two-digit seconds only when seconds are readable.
5.53.02
